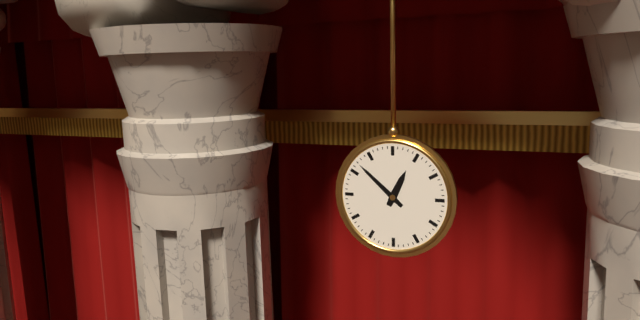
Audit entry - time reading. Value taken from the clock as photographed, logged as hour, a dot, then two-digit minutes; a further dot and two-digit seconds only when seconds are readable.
12.52
